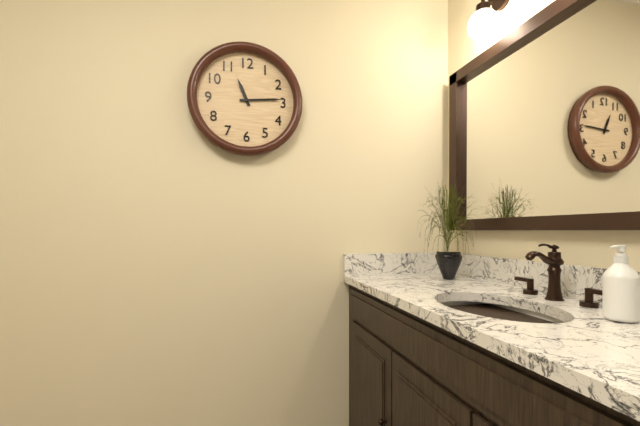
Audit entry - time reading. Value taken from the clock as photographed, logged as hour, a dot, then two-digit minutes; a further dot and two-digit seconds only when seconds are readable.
11.14
